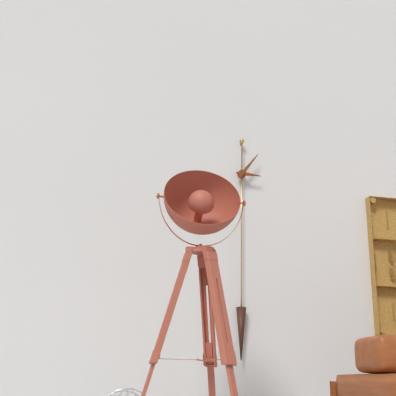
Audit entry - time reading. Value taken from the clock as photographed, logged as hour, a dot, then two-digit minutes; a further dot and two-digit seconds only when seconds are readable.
3.06
